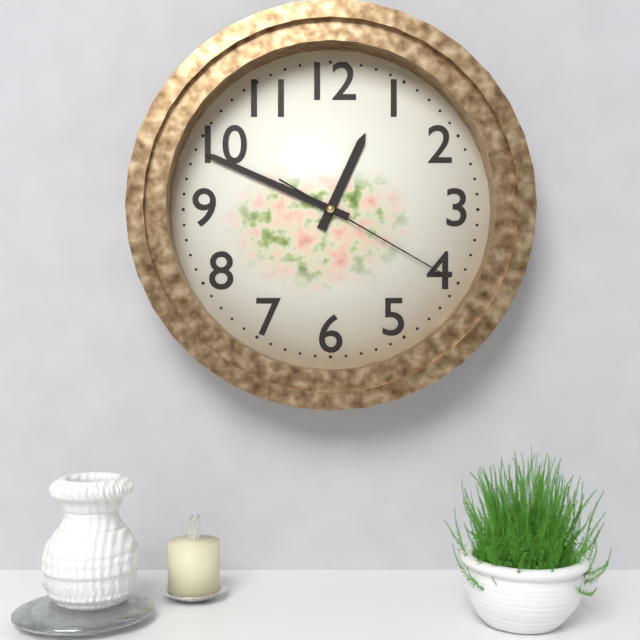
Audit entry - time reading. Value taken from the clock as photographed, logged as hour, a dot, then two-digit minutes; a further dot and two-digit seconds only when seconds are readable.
12.49.20
